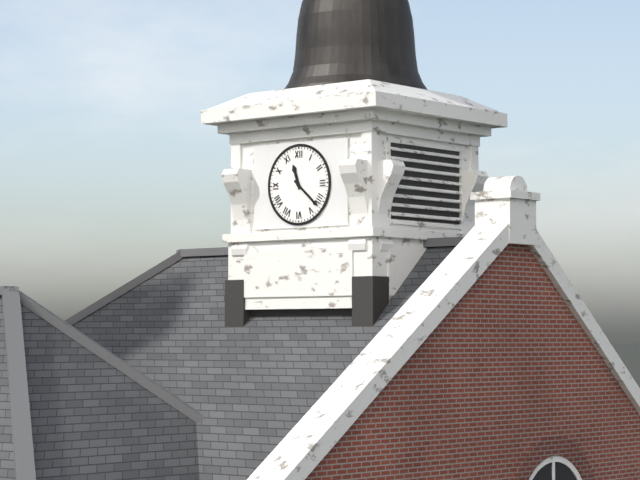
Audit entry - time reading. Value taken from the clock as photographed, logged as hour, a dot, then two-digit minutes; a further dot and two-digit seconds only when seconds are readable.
11.22
